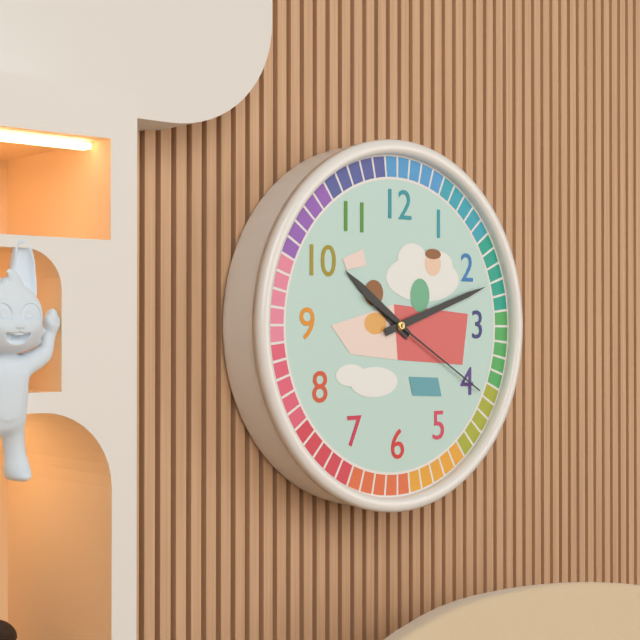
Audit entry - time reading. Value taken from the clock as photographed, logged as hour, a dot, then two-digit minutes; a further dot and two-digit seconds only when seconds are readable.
10.12.20
